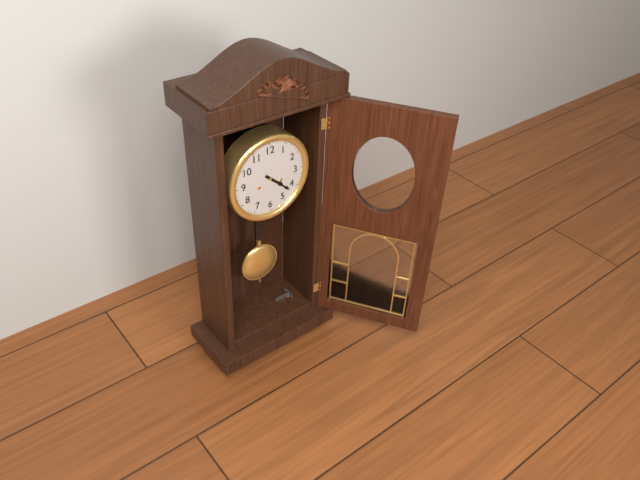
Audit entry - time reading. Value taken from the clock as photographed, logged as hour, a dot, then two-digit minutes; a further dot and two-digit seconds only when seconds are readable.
4.22
